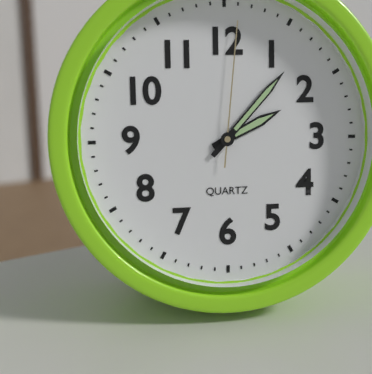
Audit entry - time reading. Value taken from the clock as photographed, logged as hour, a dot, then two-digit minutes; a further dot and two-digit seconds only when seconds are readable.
2.07.01
